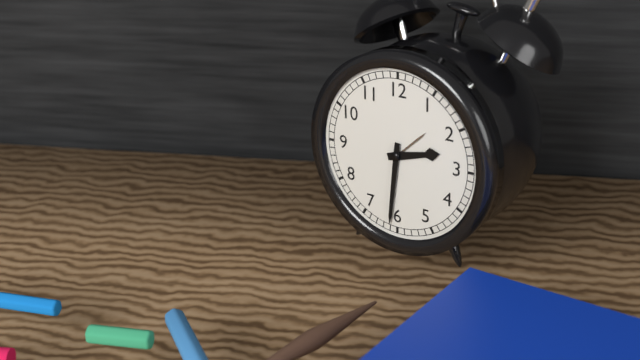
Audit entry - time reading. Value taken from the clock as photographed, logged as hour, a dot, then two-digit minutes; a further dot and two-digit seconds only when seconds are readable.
2.31
